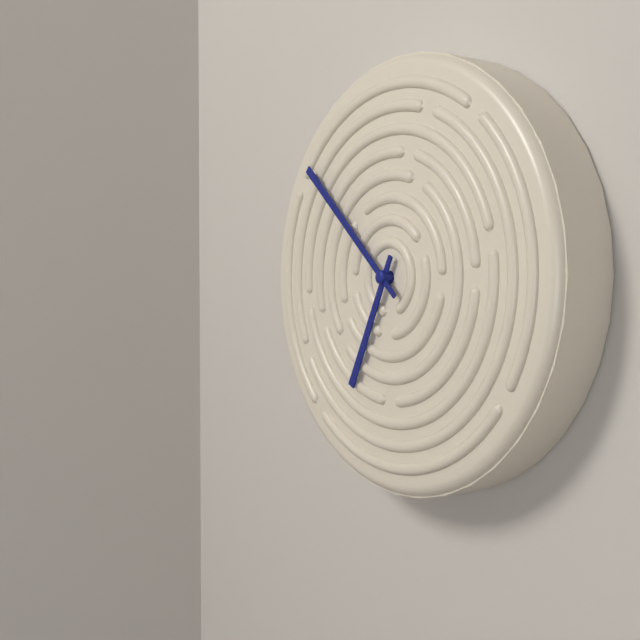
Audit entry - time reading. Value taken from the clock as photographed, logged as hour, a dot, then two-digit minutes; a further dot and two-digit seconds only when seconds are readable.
6.52
